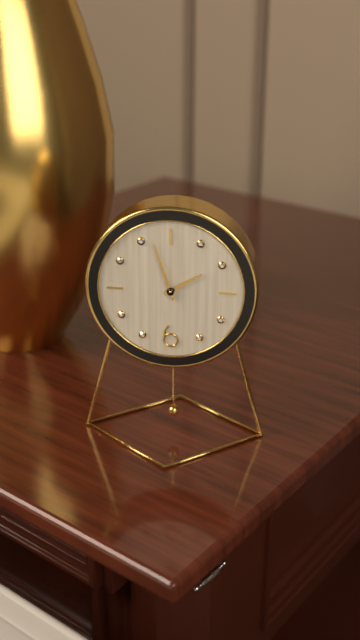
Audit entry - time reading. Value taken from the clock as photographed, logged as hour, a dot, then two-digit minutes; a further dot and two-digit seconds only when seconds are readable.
1.57
